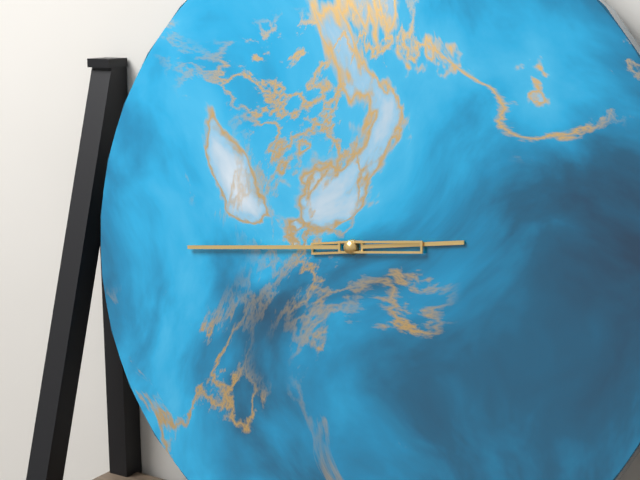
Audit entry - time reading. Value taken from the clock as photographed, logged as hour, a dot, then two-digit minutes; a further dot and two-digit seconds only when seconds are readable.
2.44
